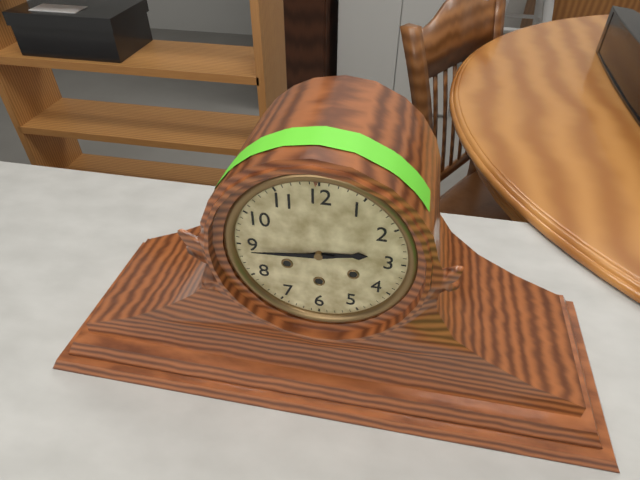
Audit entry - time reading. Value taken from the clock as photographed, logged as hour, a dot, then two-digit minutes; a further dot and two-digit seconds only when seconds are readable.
2.44
